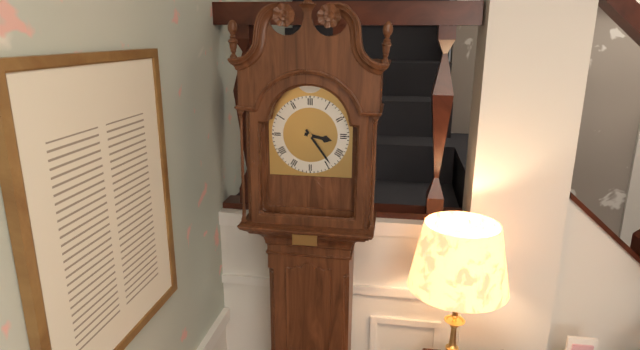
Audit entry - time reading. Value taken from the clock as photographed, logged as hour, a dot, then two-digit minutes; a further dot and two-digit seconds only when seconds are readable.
3.24
